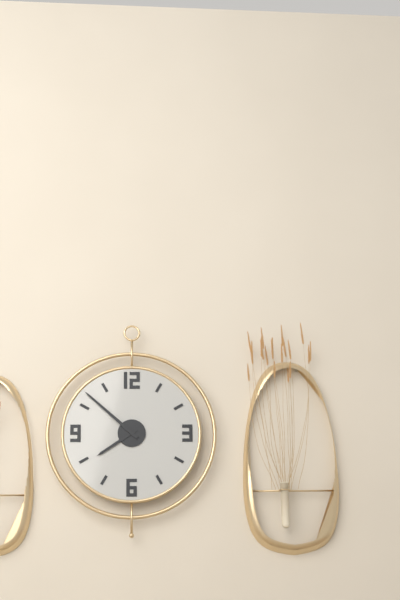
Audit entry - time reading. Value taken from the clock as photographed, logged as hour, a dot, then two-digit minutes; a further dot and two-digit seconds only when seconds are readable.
7.52
